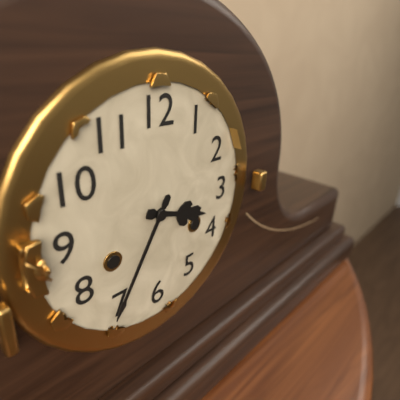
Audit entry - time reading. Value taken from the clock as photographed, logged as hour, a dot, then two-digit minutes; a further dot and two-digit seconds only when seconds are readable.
3.35
